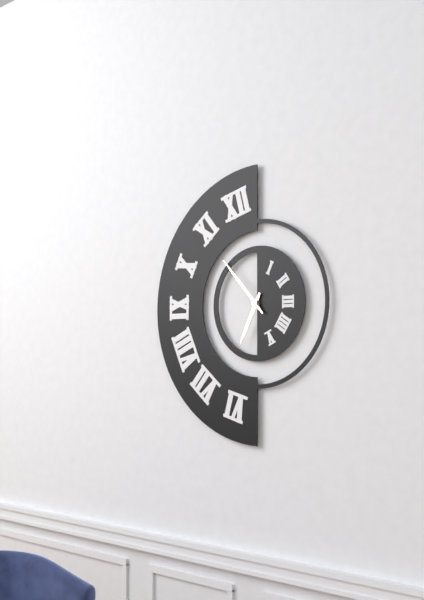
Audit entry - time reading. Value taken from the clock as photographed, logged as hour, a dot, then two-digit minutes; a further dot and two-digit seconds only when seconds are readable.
6.53
